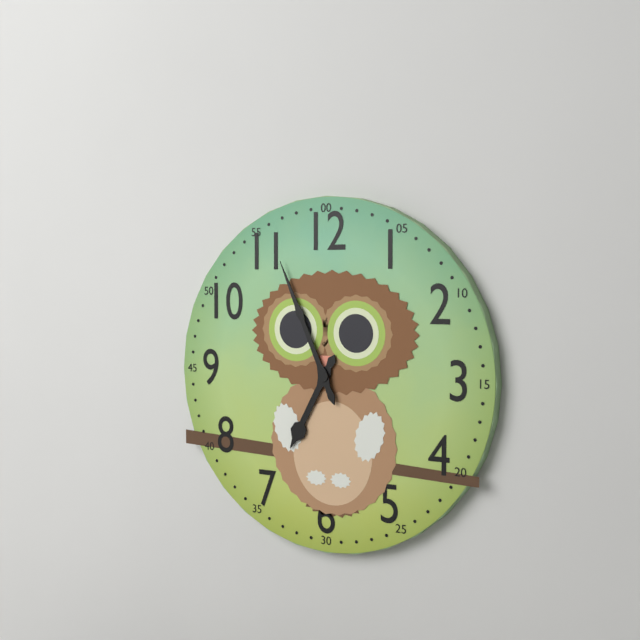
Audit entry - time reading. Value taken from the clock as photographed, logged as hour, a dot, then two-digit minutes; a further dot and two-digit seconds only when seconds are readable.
6.56
